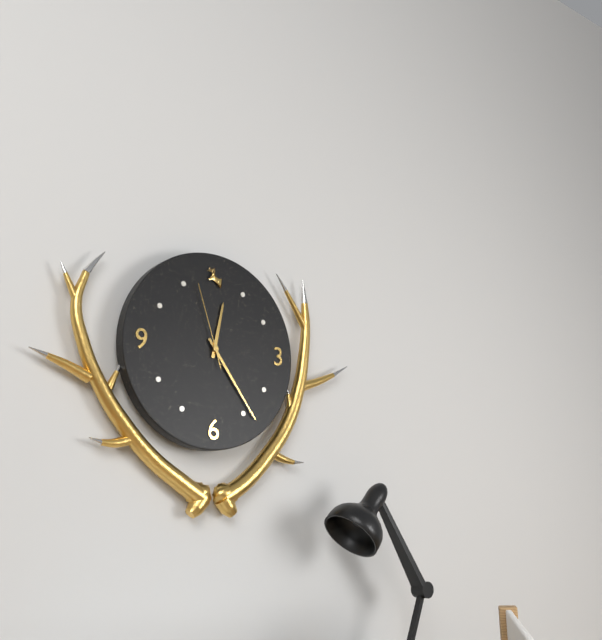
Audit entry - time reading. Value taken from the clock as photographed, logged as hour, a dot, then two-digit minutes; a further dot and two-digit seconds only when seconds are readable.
12.24.57
